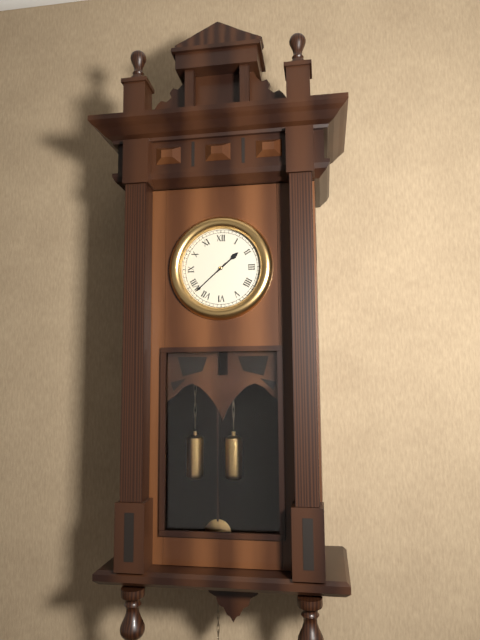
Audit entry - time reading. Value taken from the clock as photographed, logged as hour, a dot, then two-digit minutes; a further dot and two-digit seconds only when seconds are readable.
1.38
